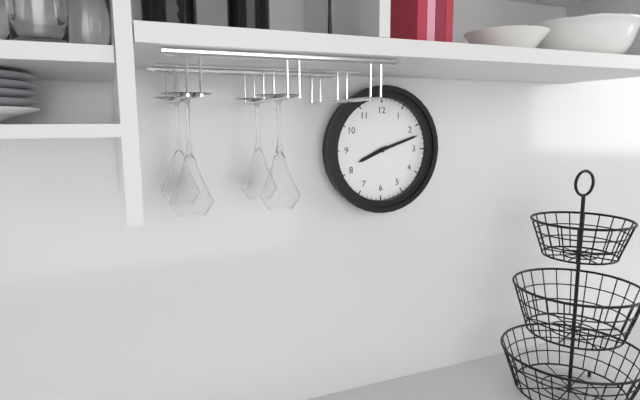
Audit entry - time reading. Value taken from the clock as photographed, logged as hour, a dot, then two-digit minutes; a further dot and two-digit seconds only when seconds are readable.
8.12
